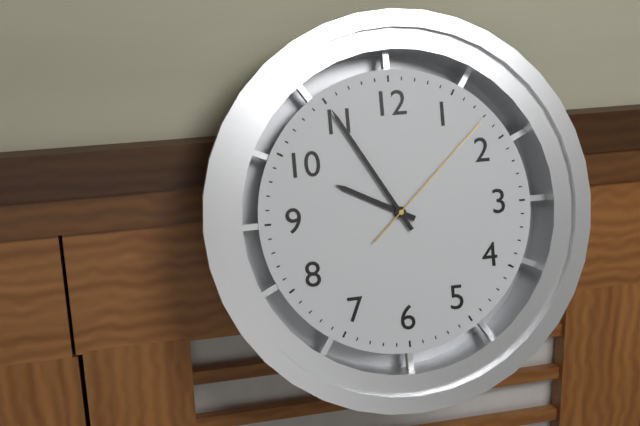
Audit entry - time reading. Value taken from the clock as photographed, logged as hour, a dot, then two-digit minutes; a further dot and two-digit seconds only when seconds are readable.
9.55.08
